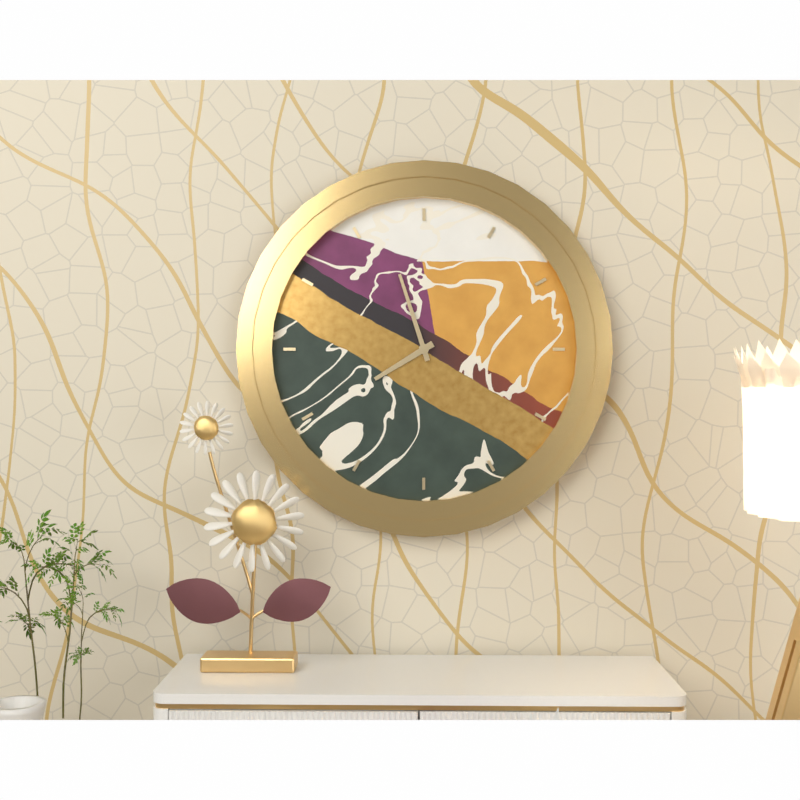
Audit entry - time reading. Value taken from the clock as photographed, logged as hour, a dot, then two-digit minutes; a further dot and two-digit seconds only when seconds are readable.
7.57
